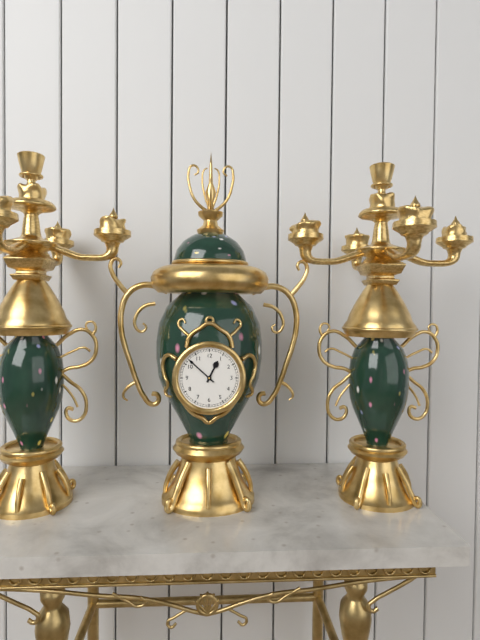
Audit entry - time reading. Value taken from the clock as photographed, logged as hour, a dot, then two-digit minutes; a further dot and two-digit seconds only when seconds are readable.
12.52
